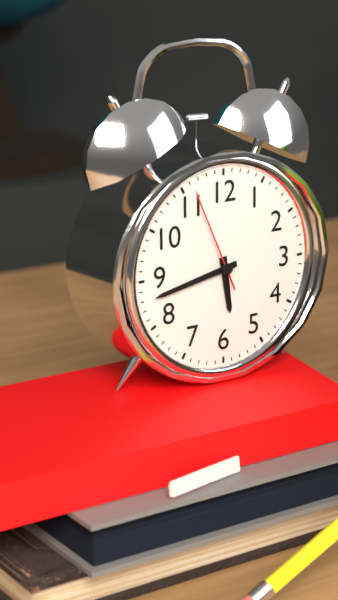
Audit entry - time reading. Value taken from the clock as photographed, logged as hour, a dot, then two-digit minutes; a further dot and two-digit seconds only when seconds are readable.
5.43.56
